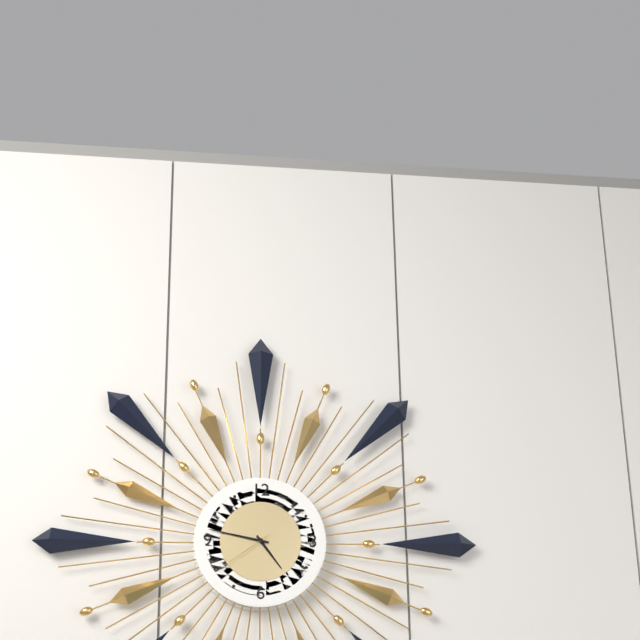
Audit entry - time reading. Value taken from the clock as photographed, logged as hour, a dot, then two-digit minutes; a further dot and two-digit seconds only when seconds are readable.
4.47.39
